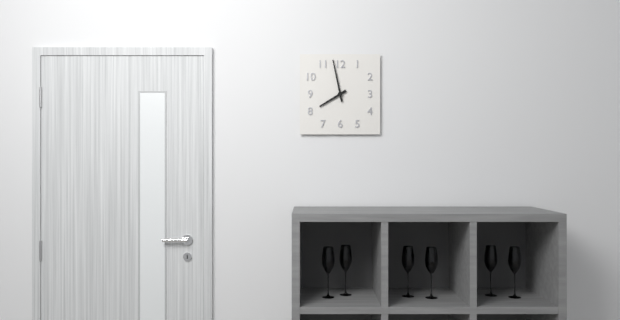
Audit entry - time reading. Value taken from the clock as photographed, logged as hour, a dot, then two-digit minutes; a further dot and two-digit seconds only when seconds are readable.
7.58
